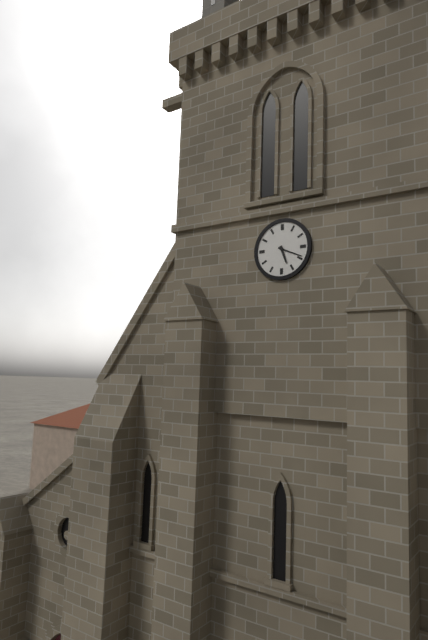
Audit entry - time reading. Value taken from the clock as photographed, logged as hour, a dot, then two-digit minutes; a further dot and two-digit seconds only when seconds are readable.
5.19
